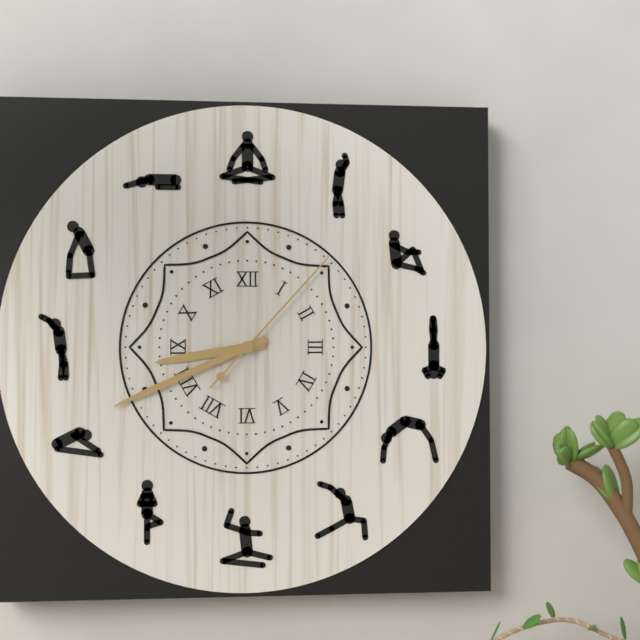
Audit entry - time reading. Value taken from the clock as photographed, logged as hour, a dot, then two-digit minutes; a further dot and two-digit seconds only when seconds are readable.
8.41.07
